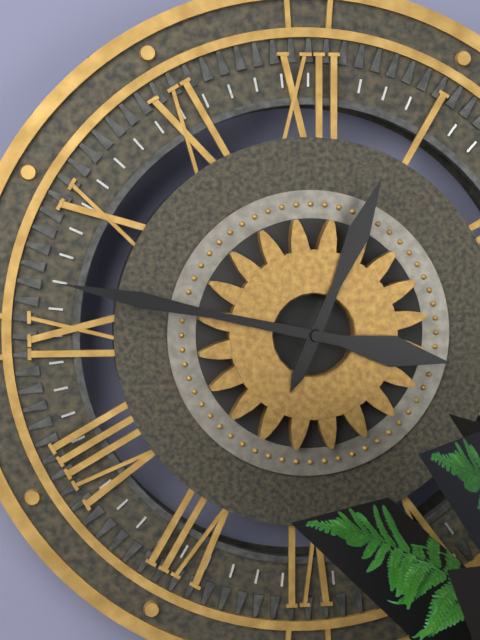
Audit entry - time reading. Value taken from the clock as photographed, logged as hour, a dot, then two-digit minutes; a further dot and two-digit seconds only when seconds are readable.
12.47
